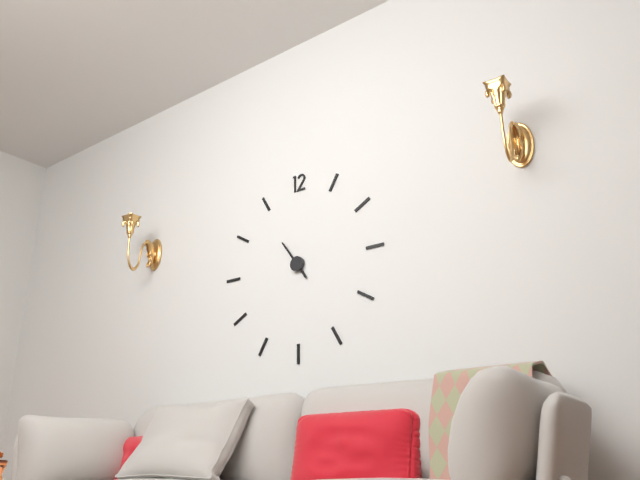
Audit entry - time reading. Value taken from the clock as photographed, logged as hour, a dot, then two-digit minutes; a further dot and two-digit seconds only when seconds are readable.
4.54
